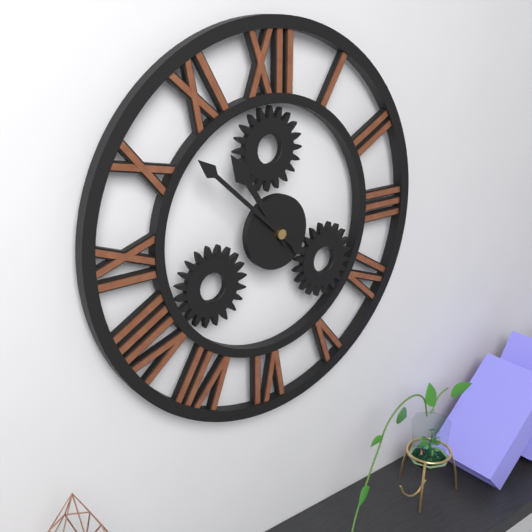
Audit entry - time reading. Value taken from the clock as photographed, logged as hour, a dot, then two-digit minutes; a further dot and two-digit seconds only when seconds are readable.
10.52
